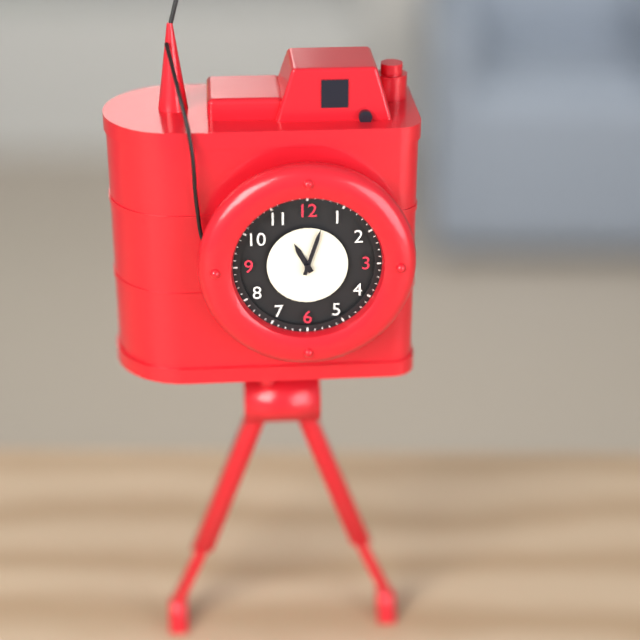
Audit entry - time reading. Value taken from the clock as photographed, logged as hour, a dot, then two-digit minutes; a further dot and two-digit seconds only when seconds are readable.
11.03
